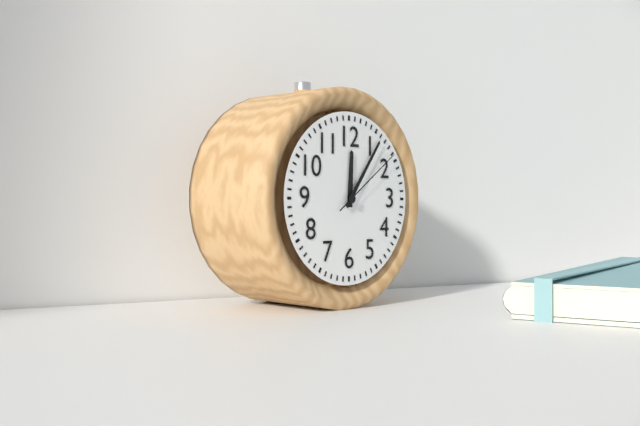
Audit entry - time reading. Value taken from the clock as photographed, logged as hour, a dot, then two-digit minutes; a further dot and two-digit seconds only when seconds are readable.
12.06.09
